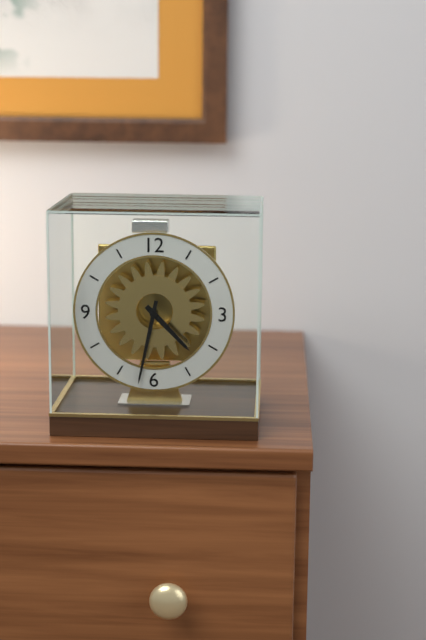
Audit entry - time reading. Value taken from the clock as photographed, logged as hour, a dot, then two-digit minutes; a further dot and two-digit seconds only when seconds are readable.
4.32
